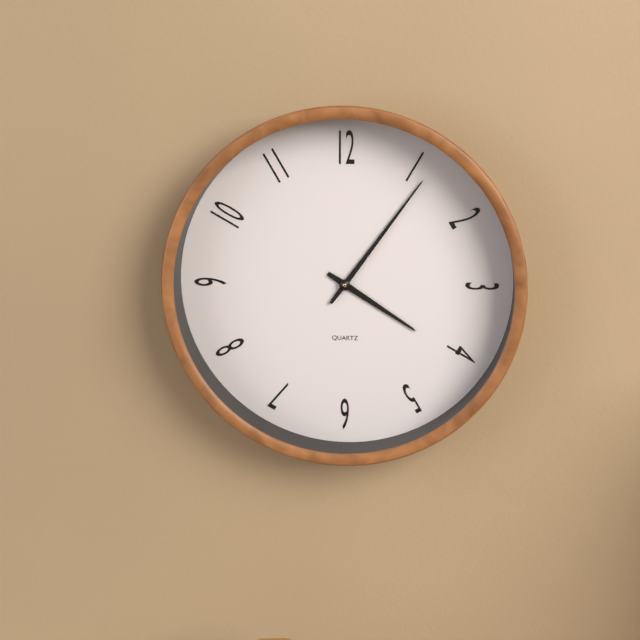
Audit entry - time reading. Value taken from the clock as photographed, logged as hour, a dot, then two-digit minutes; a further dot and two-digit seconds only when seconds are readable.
4.06
